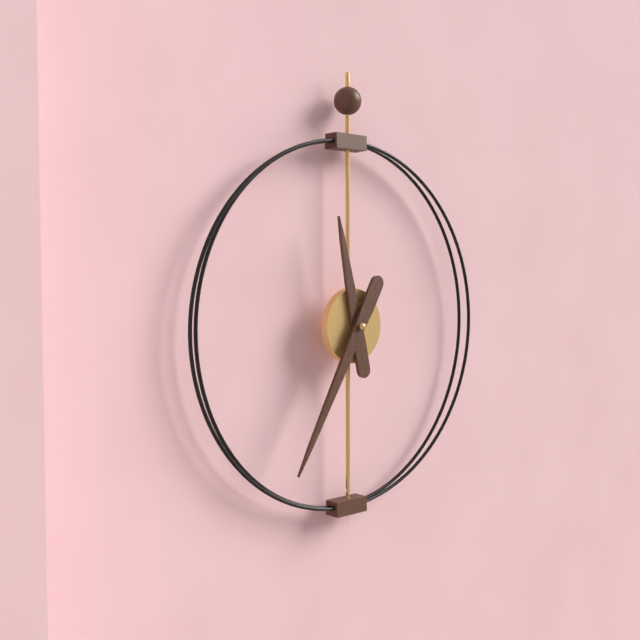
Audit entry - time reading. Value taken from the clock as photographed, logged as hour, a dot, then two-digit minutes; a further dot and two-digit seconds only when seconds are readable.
11.35
